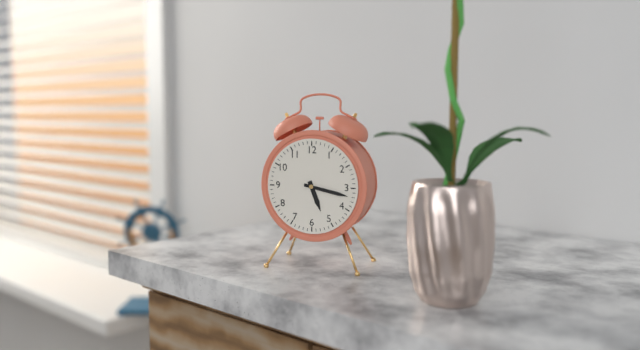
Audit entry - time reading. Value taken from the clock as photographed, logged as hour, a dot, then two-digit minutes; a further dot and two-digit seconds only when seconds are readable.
5.17
